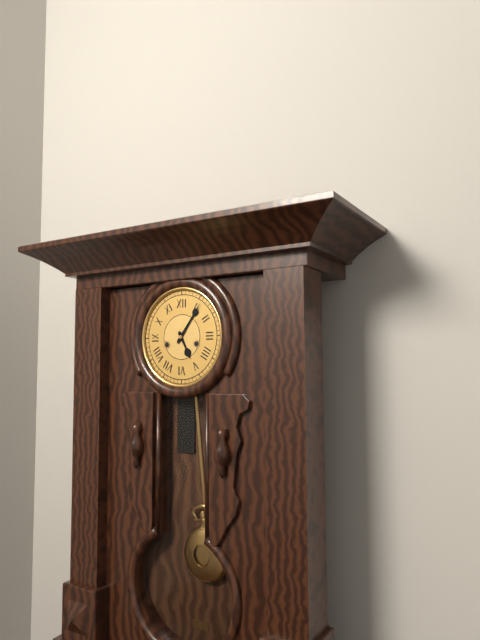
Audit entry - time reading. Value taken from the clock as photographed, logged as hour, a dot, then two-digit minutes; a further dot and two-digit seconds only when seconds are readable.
5.06
